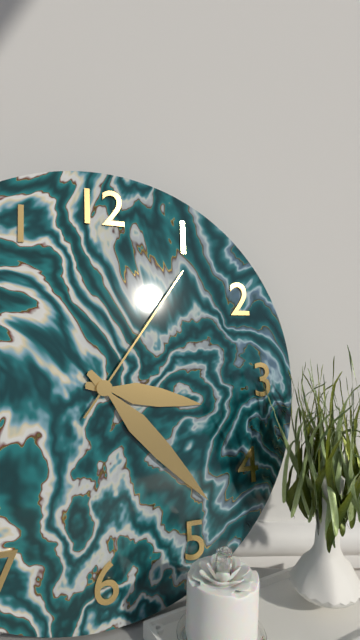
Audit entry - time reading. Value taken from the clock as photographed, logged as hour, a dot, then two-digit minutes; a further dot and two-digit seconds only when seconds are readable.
3.23.06
